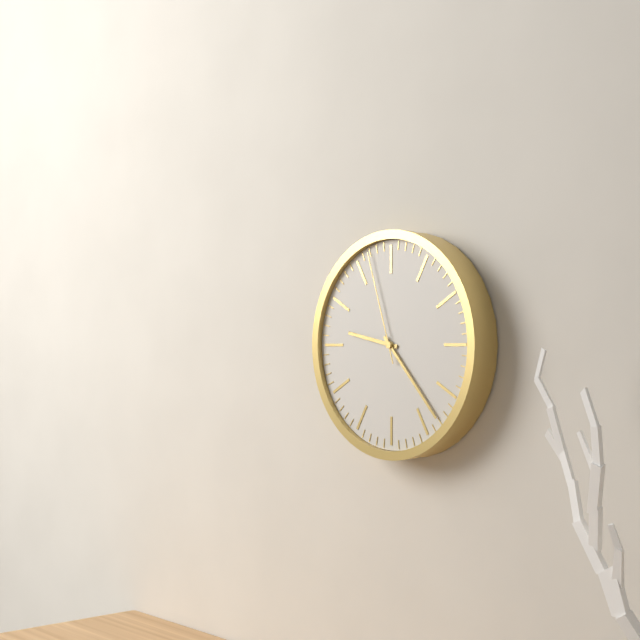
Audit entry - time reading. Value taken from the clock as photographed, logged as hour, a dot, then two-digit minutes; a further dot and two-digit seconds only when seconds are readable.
9.23.57
